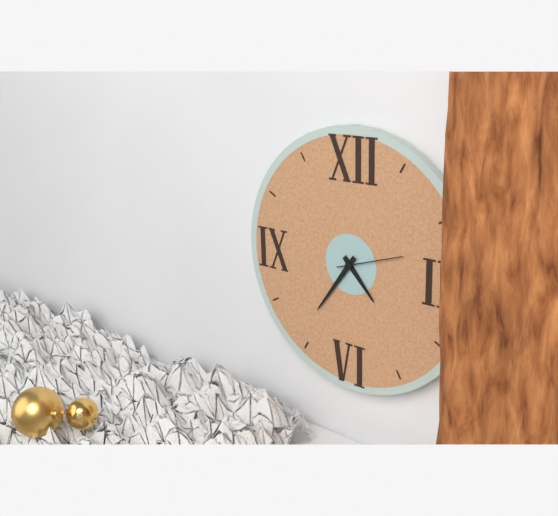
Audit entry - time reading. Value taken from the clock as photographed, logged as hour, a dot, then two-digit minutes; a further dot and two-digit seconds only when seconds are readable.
4.36.12
